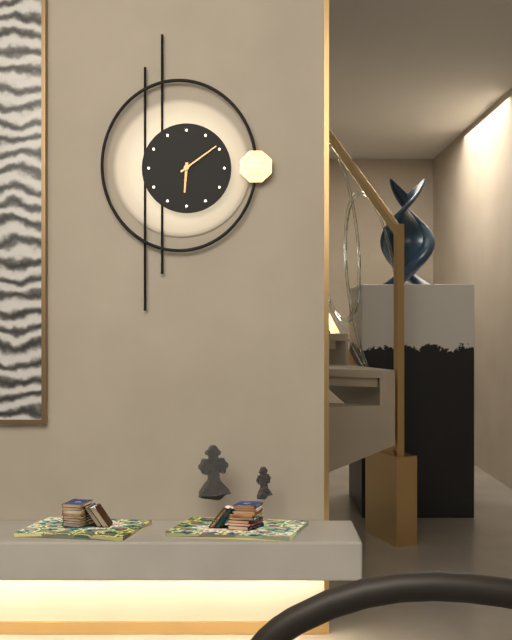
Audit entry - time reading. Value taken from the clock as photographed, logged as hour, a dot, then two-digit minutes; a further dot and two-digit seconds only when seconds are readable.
6.09
